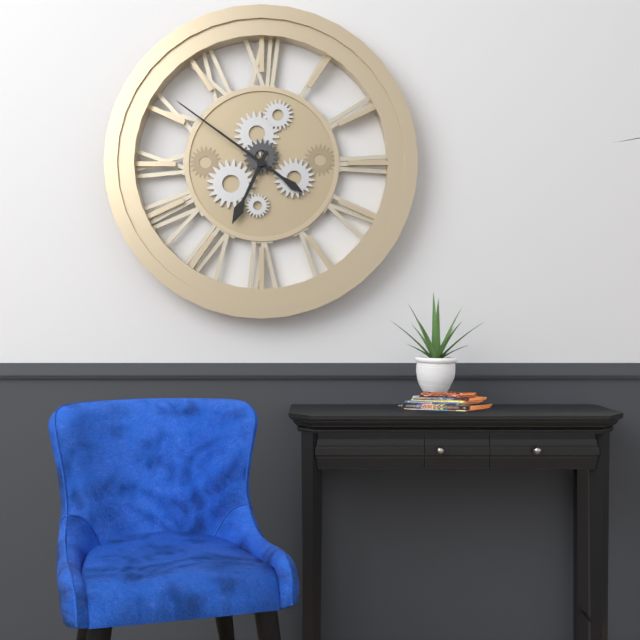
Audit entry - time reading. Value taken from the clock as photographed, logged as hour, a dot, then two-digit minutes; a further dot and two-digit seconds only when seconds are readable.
6.51
